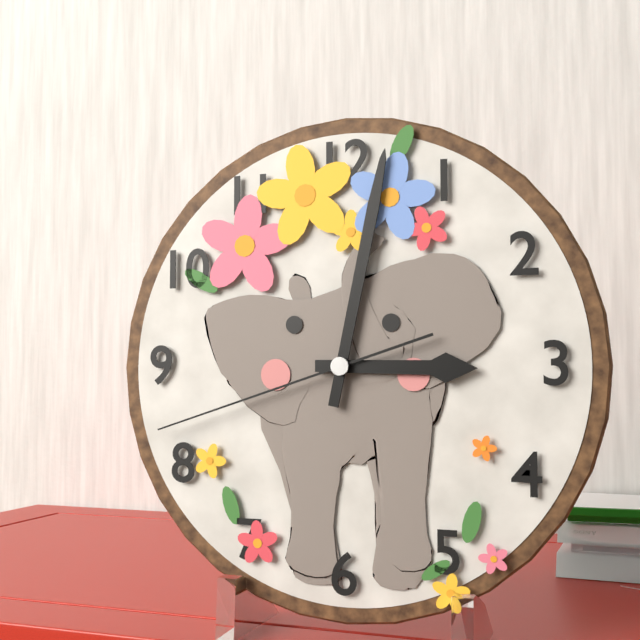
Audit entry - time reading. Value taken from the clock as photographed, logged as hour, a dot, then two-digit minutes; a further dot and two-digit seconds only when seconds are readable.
3.02.42
